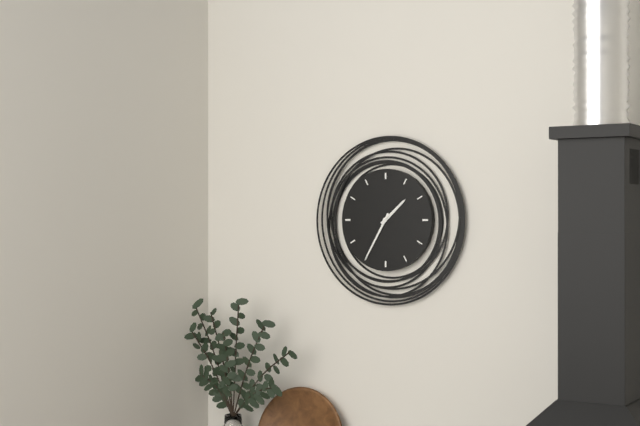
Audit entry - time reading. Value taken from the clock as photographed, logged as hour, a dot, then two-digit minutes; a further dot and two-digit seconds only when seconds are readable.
1.35
